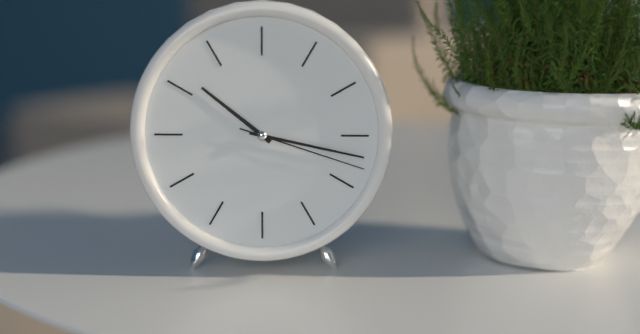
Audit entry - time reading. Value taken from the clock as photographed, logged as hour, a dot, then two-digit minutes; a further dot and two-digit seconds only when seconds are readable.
10.17.18
